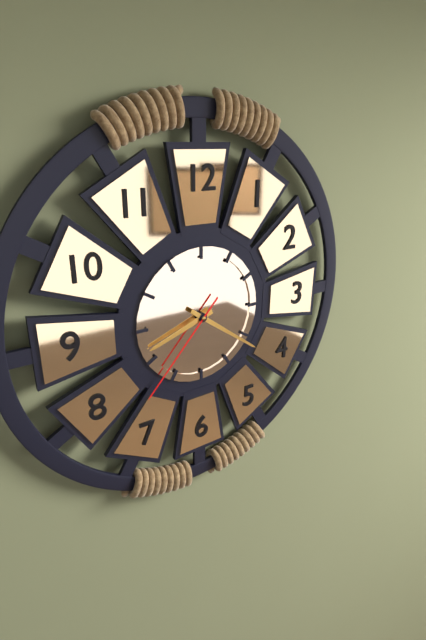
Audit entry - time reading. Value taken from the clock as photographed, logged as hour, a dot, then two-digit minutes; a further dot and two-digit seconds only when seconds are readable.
8.21.37
